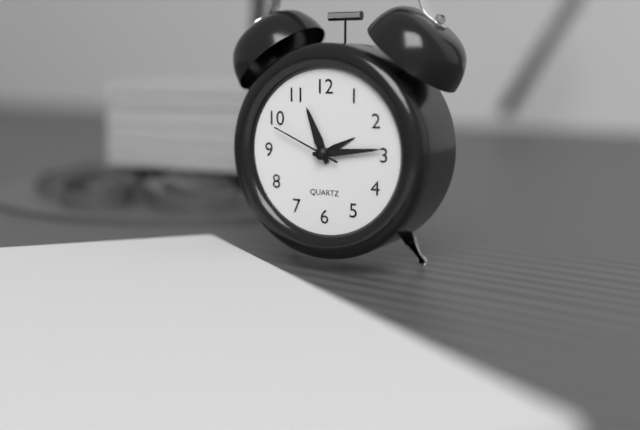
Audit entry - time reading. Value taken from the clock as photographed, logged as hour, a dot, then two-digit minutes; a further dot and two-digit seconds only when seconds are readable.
11.14.49
